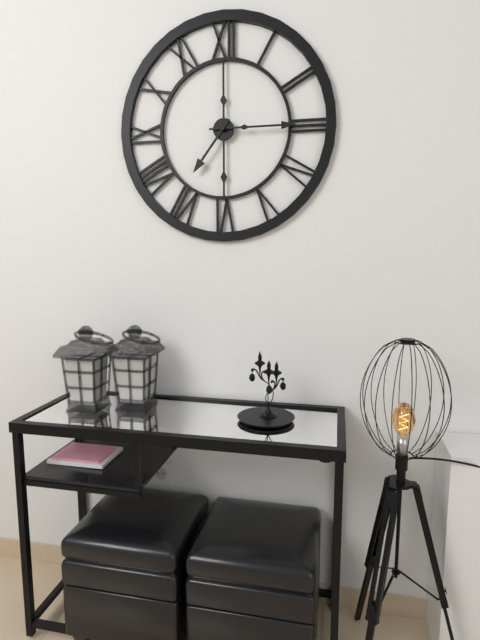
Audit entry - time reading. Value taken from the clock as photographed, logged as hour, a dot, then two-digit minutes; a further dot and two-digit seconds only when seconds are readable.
7.15
